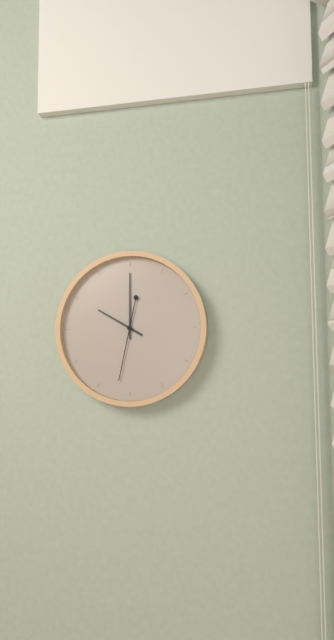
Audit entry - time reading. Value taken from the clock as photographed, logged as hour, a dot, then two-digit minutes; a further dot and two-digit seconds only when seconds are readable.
10.00.32
